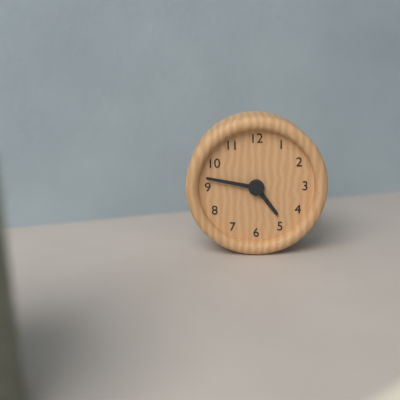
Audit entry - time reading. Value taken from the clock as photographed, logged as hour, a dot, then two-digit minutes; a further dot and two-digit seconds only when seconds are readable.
4.47
